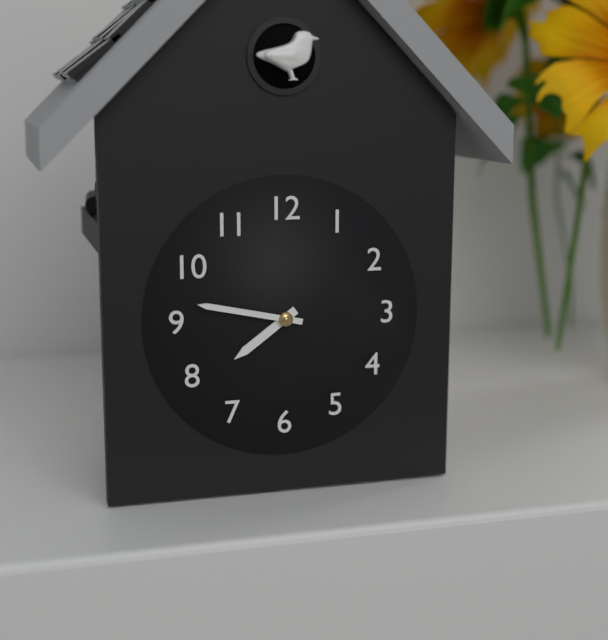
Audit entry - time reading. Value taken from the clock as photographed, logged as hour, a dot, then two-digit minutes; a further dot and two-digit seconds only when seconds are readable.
7.47
